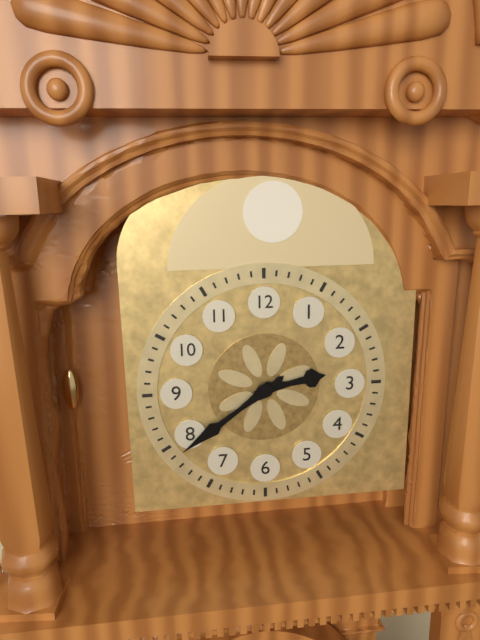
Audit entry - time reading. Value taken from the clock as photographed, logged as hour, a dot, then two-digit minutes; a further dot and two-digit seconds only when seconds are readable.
2.39
